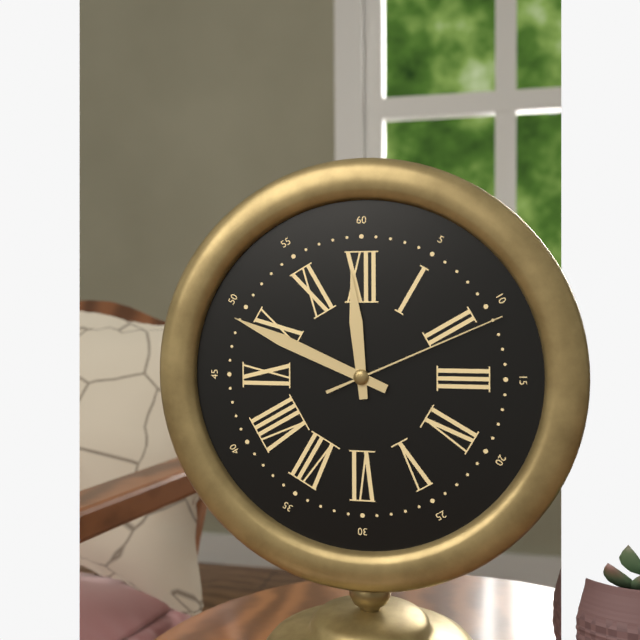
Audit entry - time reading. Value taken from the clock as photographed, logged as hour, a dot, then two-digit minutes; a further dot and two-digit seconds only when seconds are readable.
11.49.11
